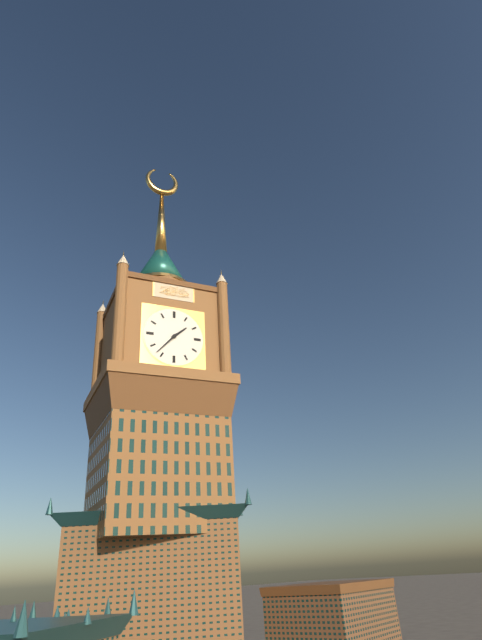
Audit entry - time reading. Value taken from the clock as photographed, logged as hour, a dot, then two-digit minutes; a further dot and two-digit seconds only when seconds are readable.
1.37
